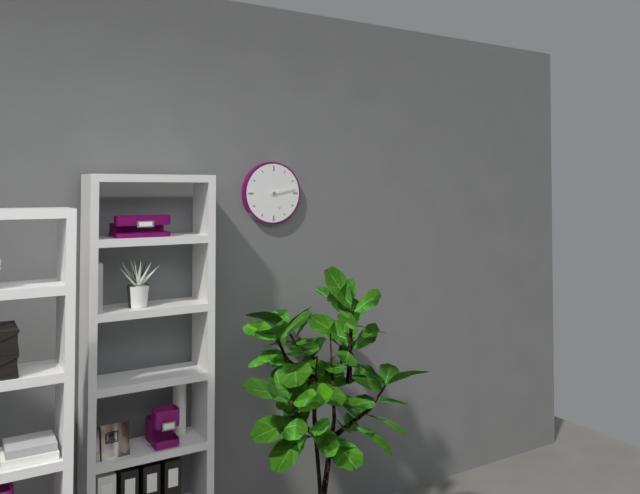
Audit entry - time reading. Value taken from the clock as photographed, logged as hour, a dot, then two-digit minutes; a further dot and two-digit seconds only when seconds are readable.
5.13
